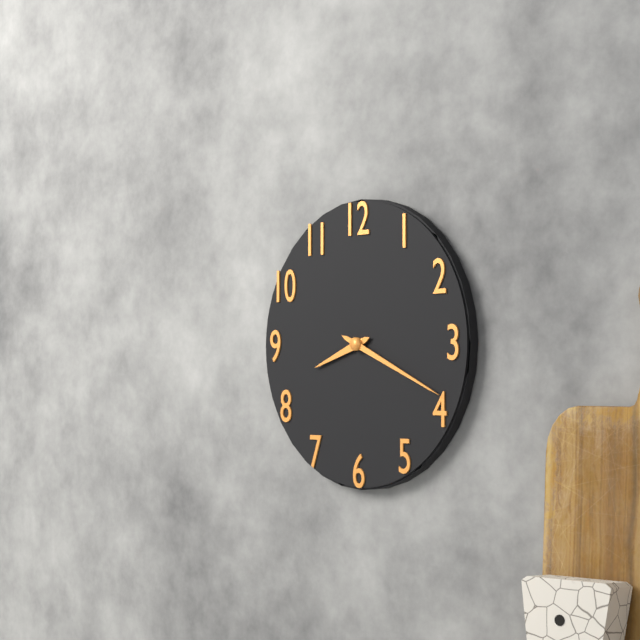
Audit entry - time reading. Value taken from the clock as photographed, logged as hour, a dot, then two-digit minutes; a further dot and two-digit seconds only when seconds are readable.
8.19
